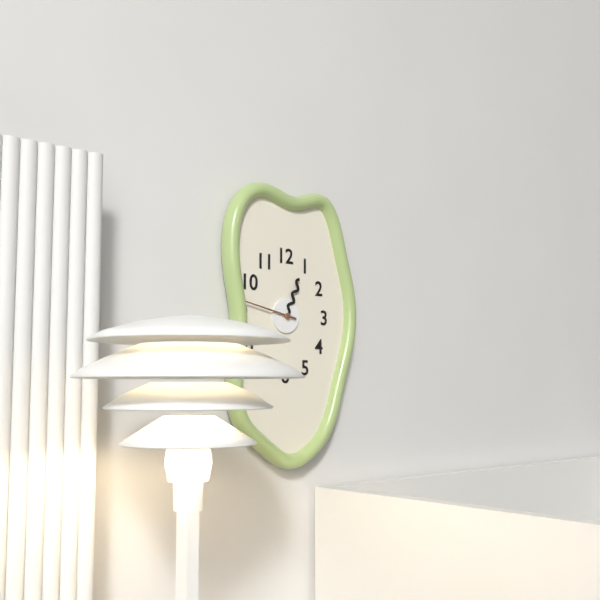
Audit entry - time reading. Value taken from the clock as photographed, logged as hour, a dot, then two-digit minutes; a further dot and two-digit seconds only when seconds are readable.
12.47
